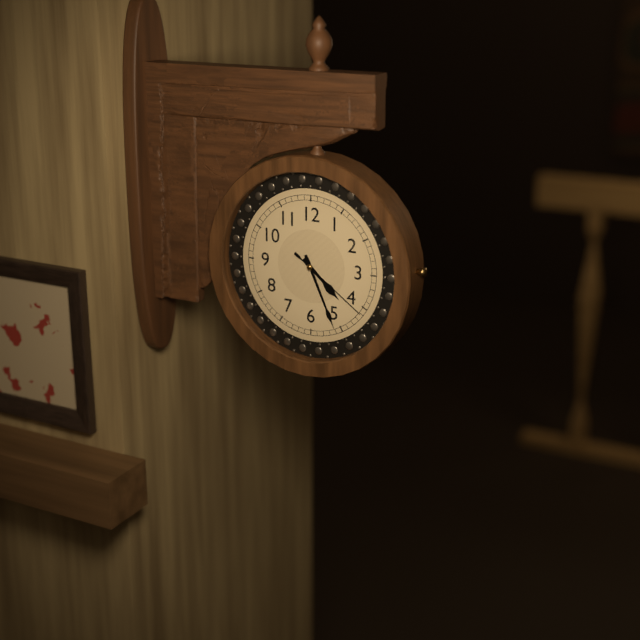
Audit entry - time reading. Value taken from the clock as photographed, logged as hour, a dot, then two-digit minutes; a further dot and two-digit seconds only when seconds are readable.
4.26.21
